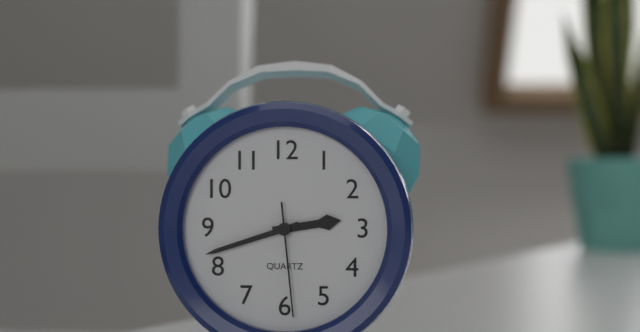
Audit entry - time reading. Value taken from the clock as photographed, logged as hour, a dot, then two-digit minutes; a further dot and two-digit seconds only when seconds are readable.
2.42.29
